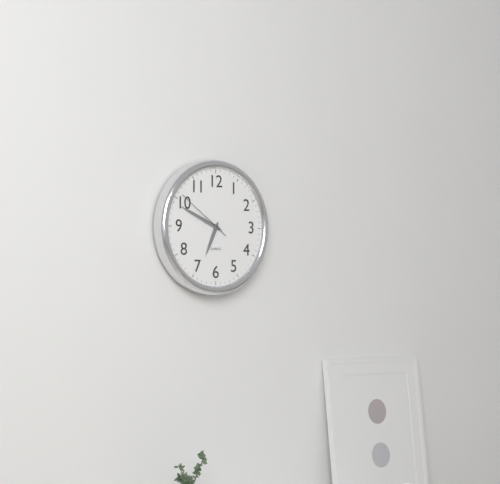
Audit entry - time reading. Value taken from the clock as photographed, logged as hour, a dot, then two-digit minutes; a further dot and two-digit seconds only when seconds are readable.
6.49.51
